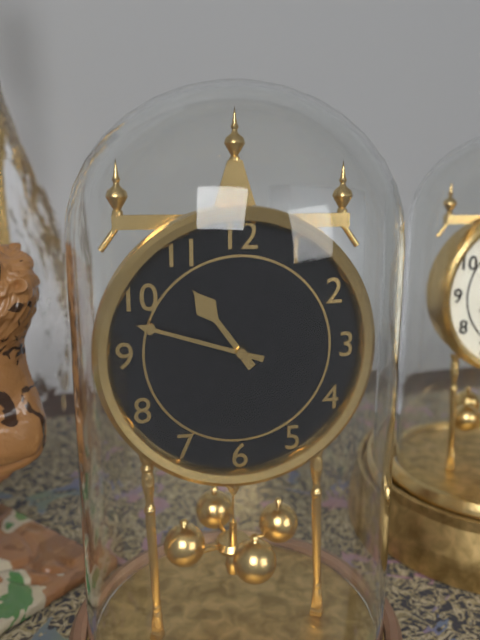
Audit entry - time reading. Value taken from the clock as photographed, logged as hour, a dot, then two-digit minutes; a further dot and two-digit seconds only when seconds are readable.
10.48
